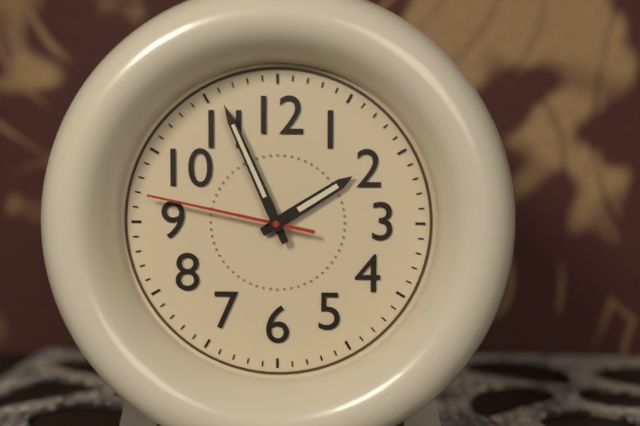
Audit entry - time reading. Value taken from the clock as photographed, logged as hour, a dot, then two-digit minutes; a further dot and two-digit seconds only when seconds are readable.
1.56.47
